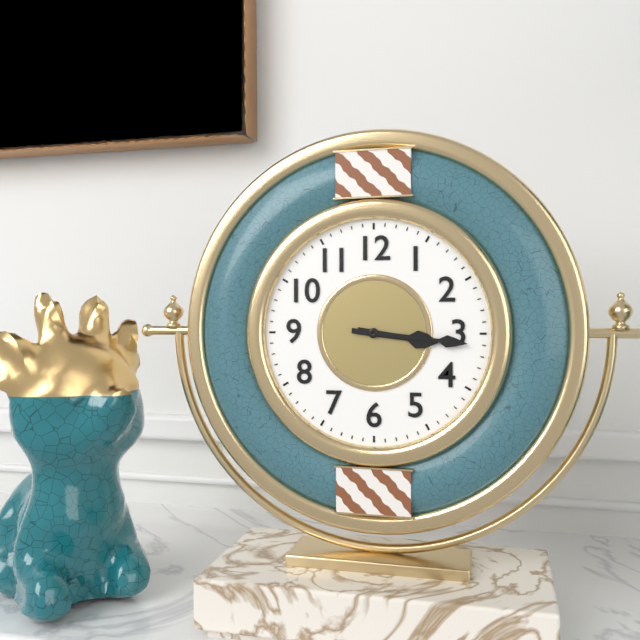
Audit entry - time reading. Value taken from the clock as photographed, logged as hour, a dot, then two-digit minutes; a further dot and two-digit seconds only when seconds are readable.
3.16
